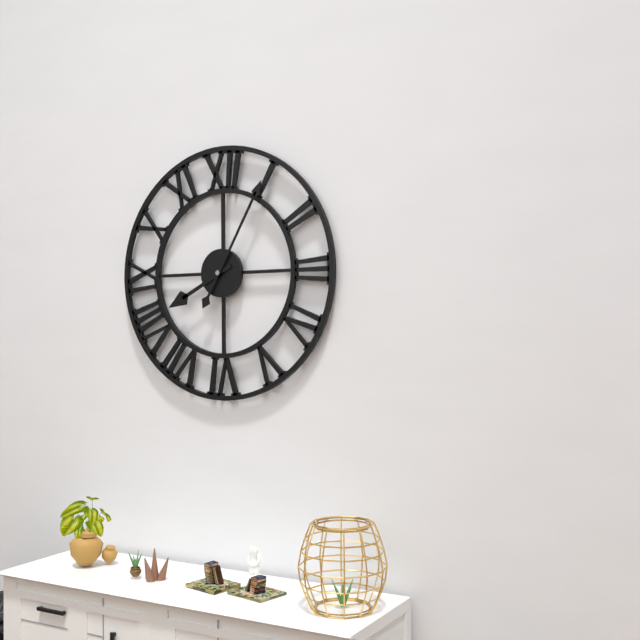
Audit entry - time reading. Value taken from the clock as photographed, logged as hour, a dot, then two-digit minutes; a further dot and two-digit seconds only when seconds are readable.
8.05
